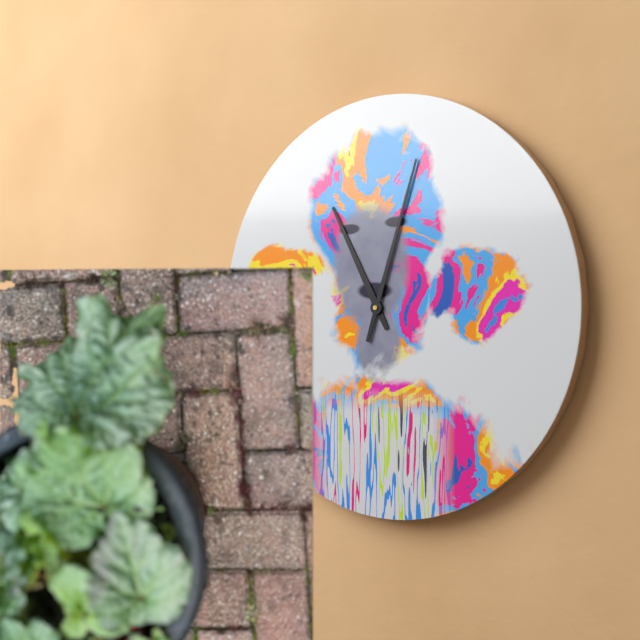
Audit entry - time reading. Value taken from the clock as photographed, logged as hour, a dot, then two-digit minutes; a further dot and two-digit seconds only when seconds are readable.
11.03
